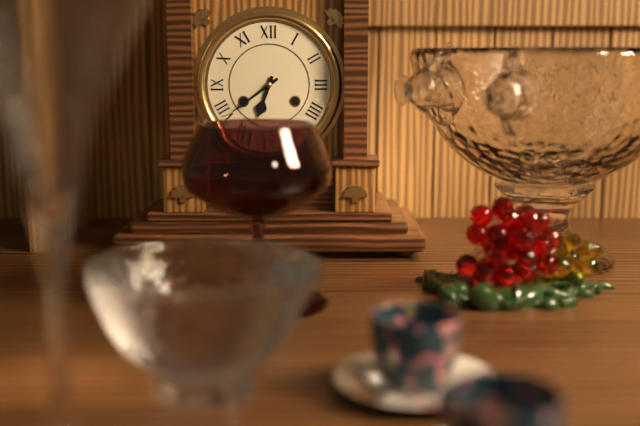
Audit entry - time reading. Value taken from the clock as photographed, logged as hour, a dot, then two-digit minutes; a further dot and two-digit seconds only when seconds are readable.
6.39
